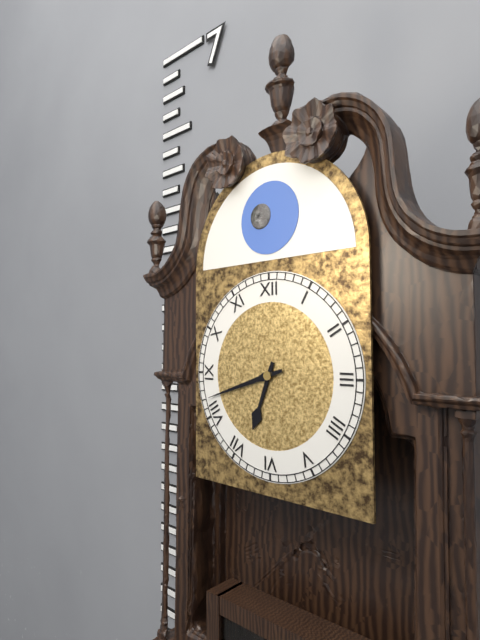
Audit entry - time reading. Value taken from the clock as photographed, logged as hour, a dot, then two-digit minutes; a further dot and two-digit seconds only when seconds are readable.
6.42
